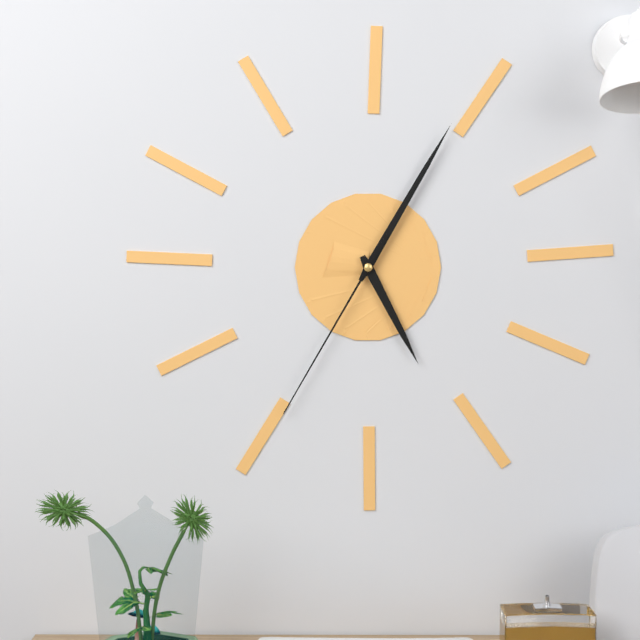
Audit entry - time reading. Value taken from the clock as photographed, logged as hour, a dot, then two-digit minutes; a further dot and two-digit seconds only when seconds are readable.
5.05.35
